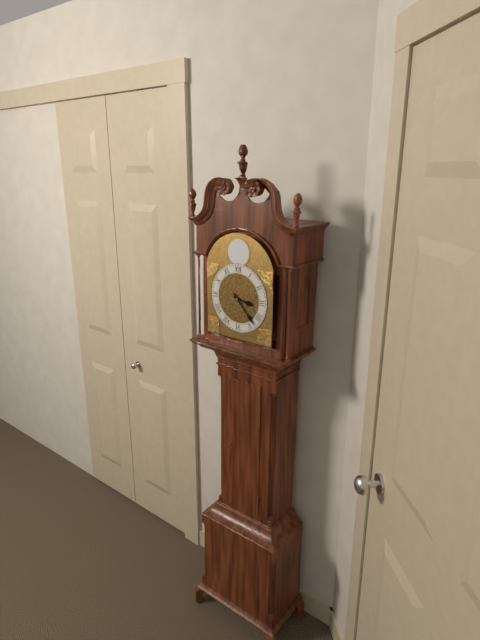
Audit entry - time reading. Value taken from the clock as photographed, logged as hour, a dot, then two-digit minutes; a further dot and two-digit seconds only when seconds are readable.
3.23
